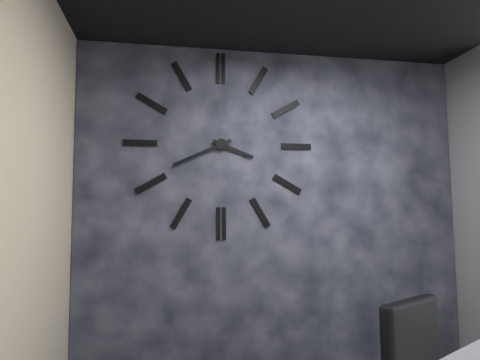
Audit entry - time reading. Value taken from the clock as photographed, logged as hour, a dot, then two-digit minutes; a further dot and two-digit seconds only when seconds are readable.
3.41
